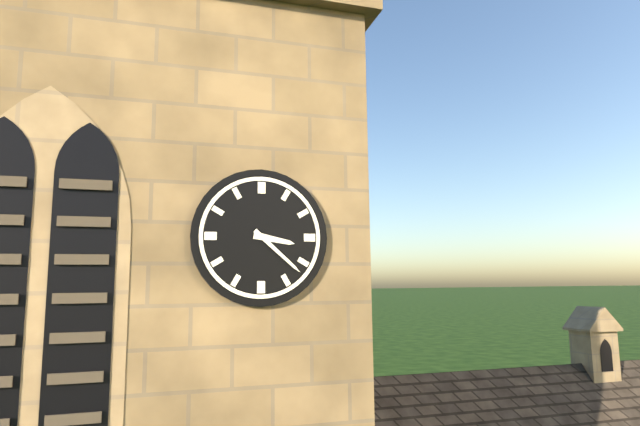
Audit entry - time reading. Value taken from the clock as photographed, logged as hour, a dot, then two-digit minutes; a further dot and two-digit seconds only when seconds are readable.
3.22
